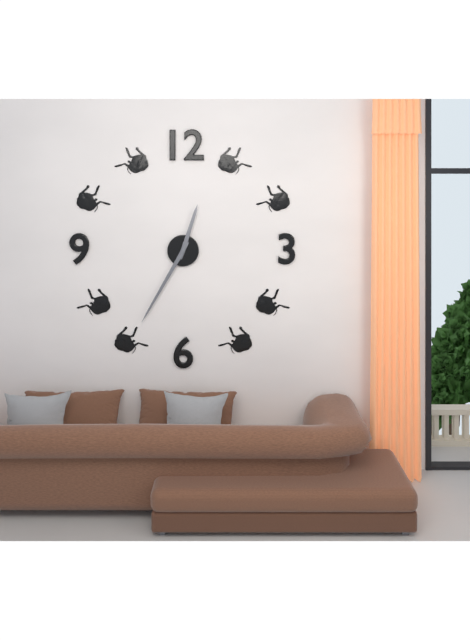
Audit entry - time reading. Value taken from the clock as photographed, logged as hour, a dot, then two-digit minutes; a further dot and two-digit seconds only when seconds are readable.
12.35
